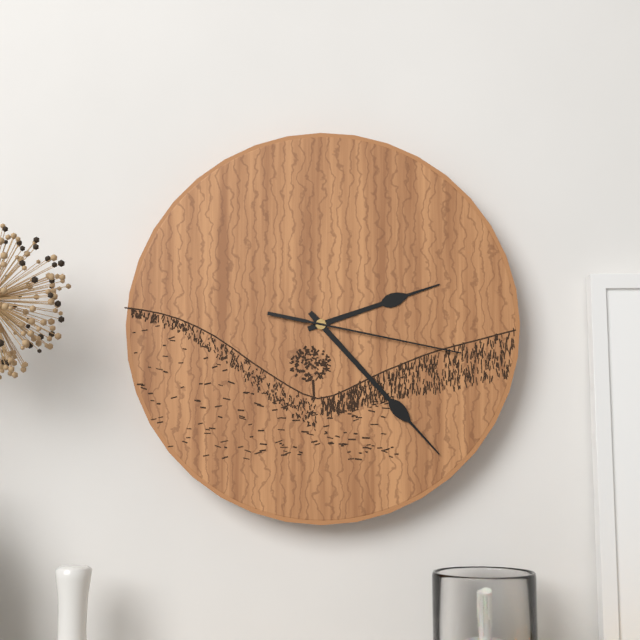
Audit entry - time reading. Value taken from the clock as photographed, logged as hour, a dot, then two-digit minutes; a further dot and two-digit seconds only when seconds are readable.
2.23.17
